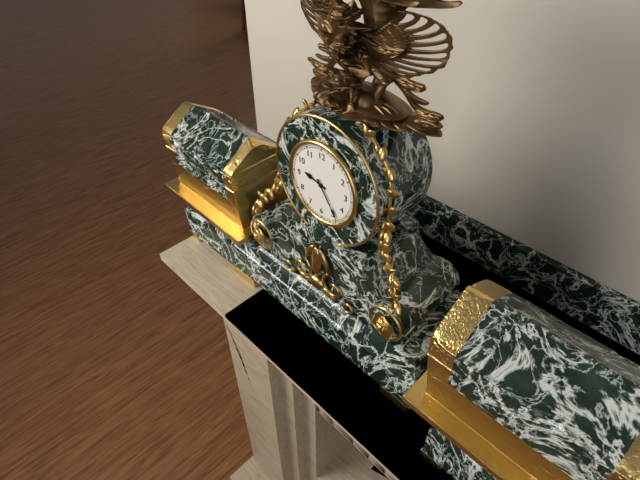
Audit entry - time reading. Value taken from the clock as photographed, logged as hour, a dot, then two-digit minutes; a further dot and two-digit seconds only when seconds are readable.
9.24
